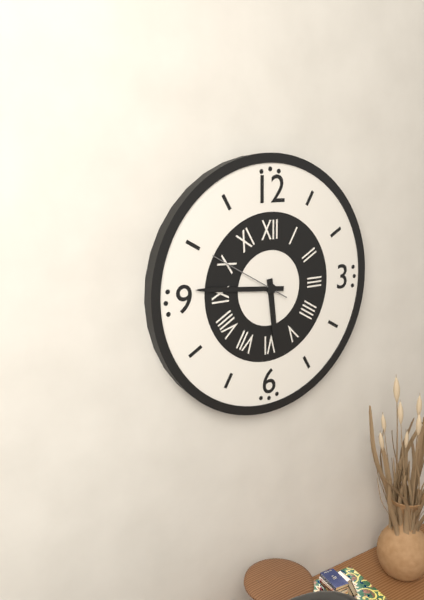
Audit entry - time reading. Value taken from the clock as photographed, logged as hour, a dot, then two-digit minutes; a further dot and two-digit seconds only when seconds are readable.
5.46.50
